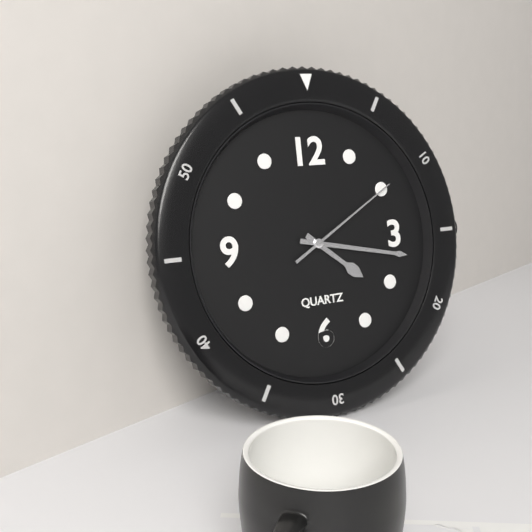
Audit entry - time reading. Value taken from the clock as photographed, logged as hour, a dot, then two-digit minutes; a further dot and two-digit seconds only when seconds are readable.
4.17.10
